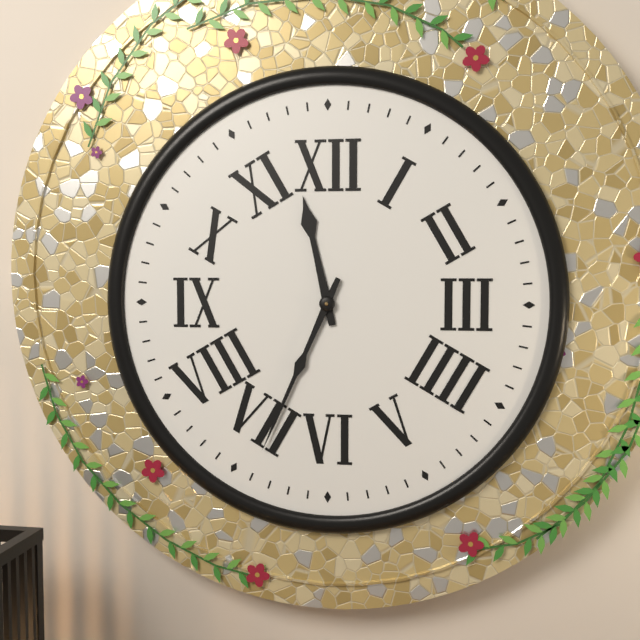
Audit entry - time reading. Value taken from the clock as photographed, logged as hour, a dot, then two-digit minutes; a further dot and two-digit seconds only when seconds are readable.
11.34
